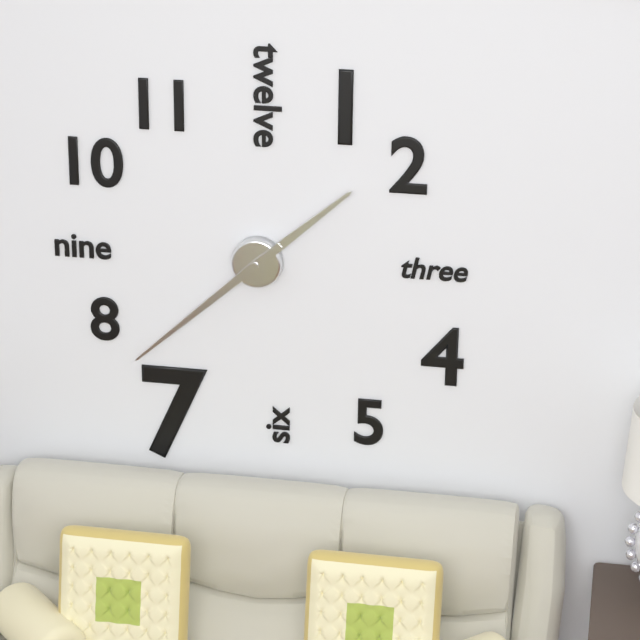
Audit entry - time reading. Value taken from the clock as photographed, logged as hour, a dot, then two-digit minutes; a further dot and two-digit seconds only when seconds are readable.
1.38
